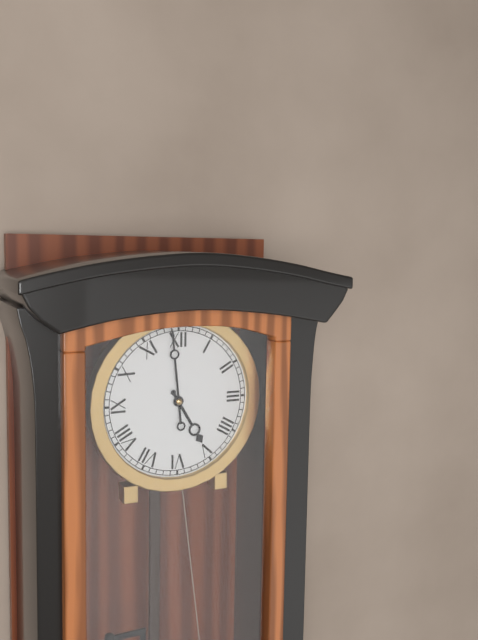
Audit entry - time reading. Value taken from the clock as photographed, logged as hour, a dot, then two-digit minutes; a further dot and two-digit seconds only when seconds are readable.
4.59
